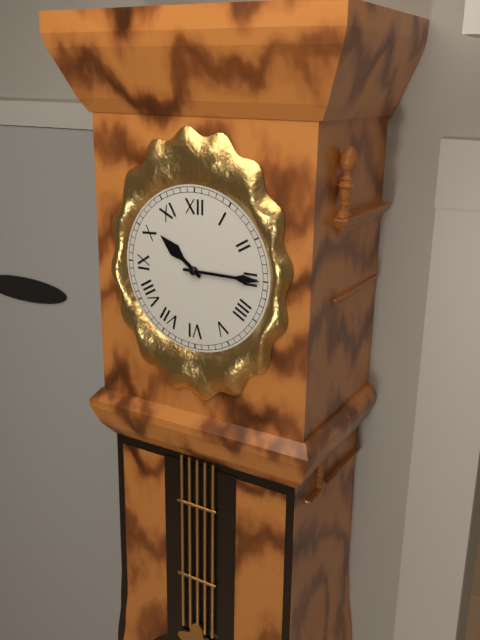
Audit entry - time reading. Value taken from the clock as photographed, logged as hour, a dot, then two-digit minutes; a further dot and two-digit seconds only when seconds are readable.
10.15
